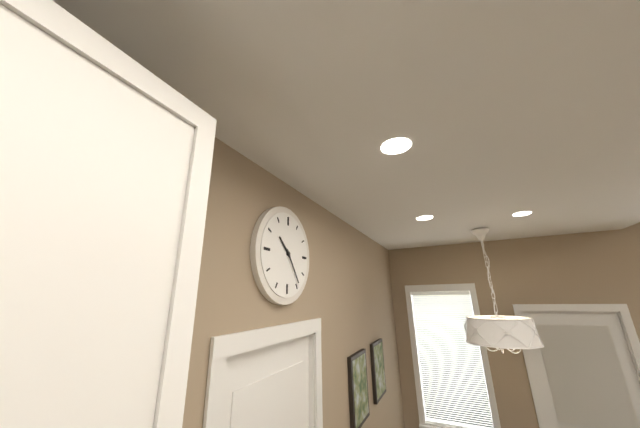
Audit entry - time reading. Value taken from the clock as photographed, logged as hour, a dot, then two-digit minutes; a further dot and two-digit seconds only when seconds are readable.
10.24
